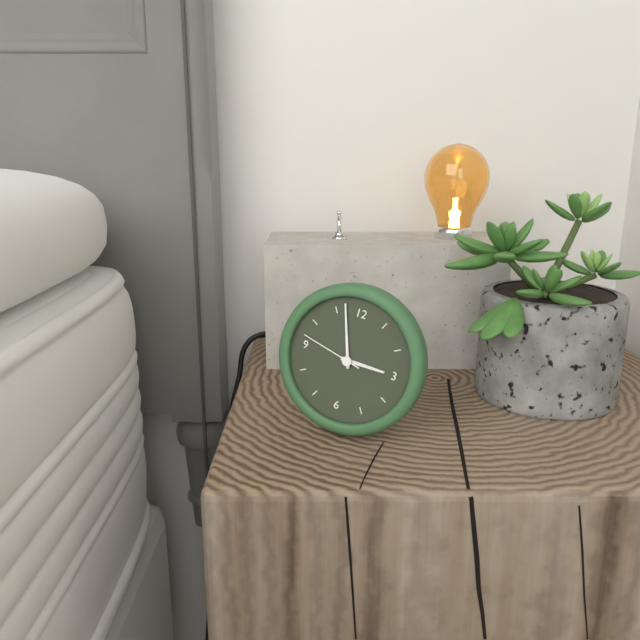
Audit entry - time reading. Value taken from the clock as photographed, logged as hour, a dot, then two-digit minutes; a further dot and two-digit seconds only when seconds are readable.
2.57.47
